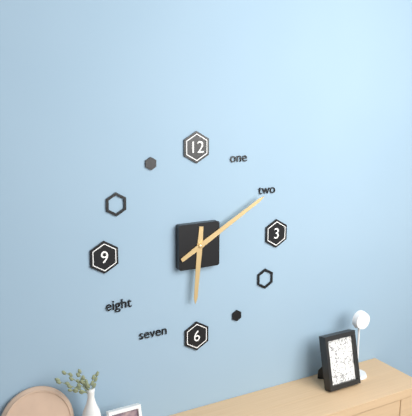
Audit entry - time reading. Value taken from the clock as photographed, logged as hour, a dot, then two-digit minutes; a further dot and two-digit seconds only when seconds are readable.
6.10
